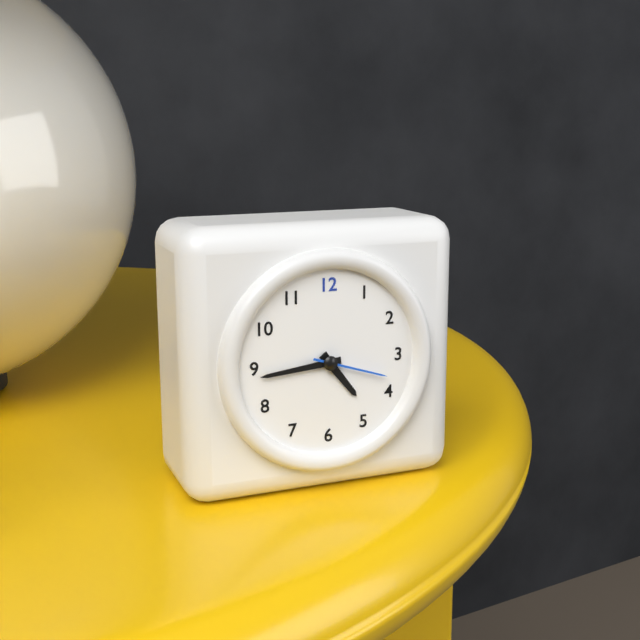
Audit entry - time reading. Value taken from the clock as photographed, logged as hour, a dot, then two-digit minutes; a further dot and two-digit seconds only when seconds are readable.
4.44.18
